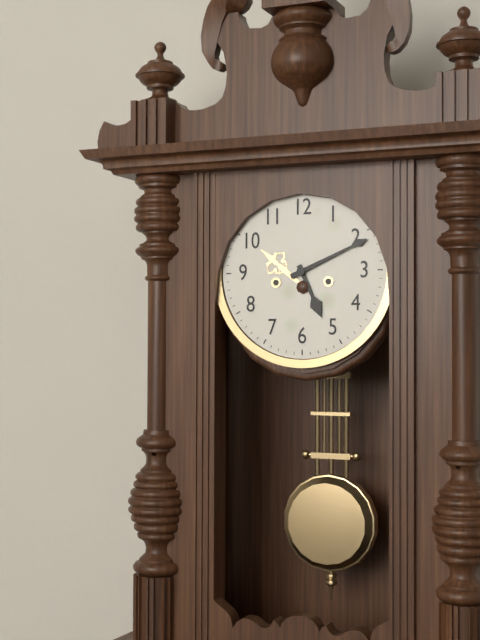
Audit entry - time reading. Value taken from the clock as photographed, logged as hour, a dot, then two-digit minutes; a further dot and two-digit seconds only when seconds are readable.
5.11
